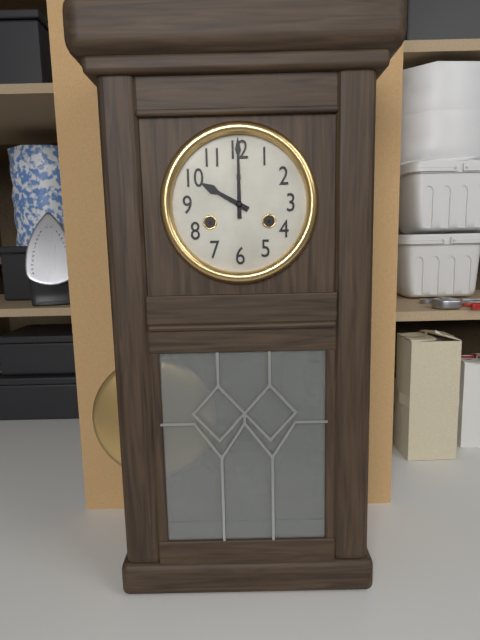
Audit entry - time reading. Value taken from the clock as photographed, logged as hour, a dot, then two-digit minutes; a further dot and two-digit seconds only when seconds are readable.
10.00
